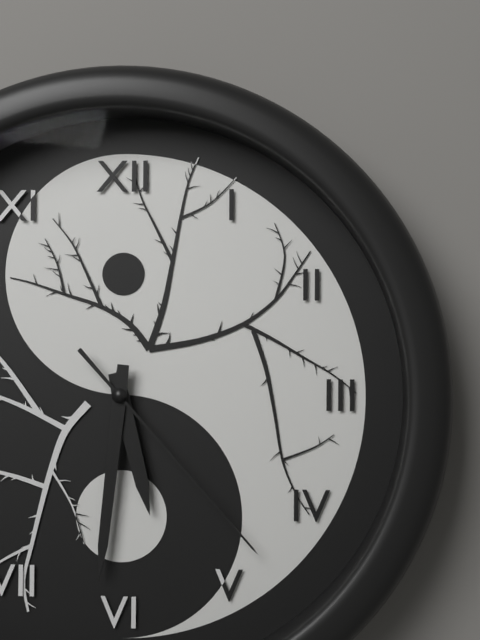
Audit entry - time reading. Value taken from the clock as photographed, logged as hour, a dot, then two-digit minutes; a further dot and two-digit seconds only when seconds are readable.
5.31.23
